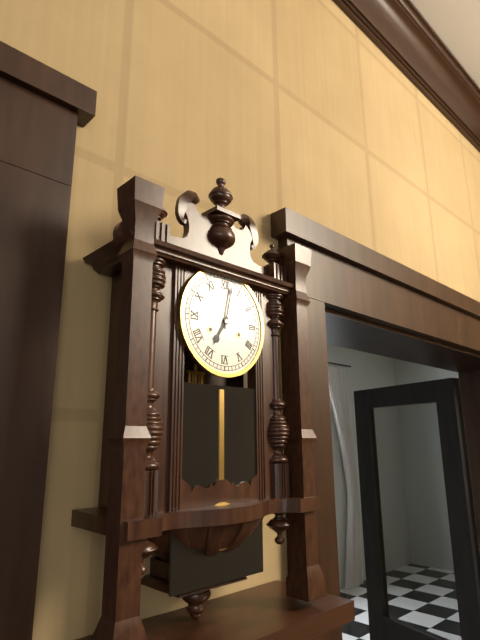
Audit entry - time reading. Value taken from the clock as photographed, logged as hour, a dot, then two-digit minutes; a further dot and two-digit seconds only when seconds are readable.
7.02
